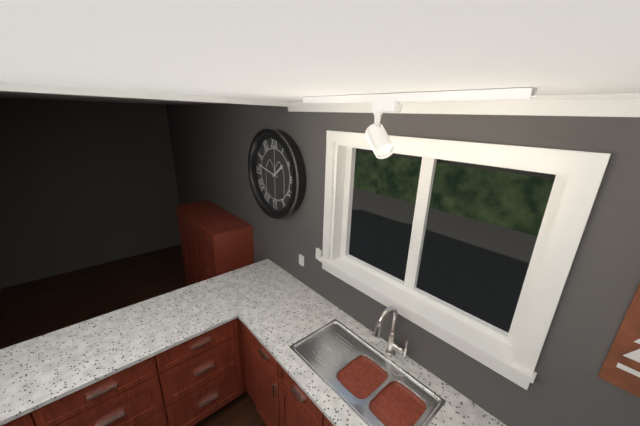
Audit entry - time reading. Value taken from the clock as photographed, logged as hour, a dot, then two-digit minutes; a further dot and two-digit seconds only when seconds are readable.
1.47
